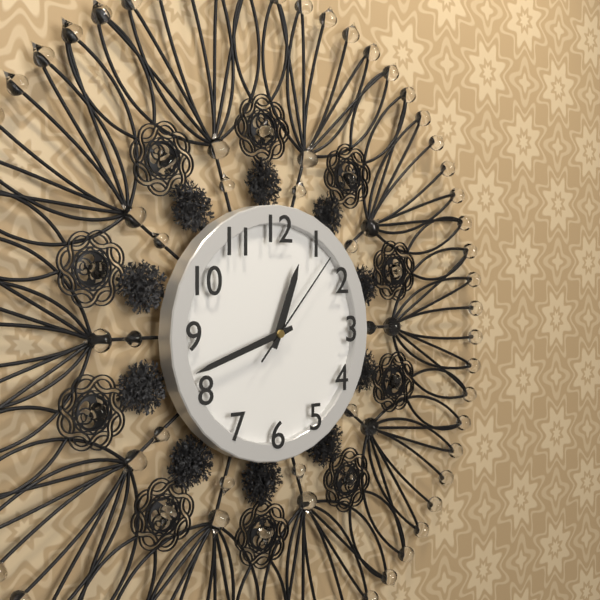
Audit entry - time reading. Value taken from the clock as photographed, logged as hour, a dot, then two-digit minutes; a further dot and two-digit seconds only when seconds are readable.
12.42.07
